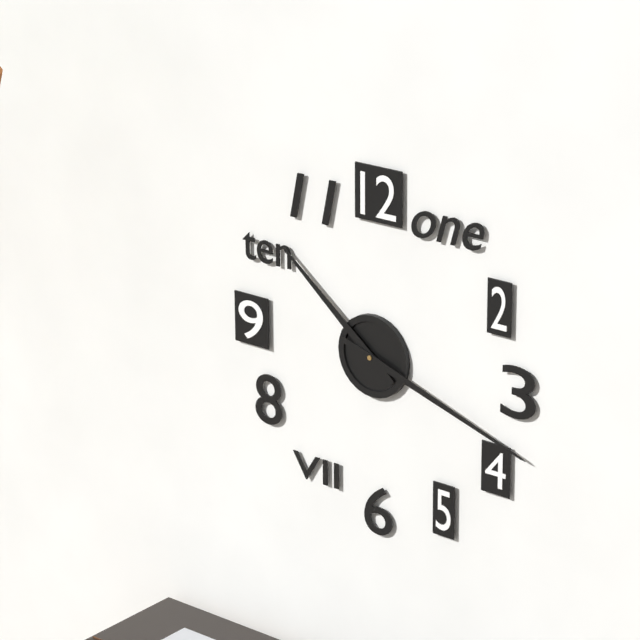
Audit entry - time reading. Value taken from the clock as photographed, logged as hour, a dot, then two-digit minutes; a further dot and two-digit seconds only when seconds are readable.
10.18
